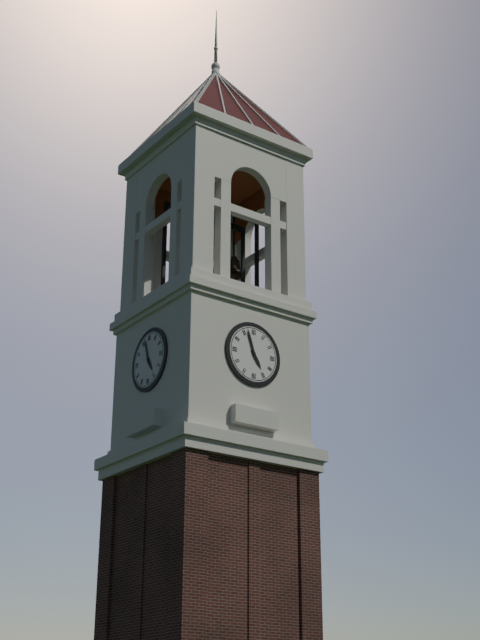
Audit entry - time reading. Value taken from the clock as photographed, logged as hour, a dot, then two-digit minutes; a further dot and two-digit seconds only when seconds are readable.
4.57
